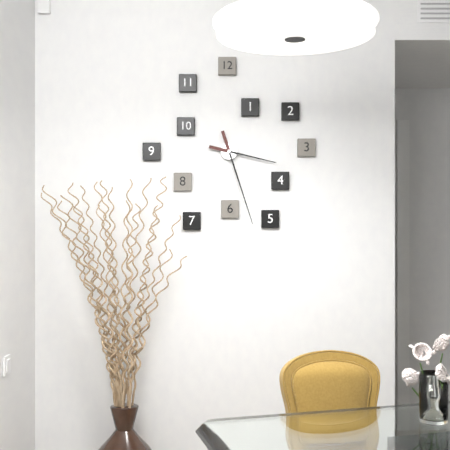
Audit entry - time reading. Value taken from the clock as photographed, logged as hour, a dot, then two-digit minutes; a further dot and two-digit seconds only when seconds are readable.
3.27
